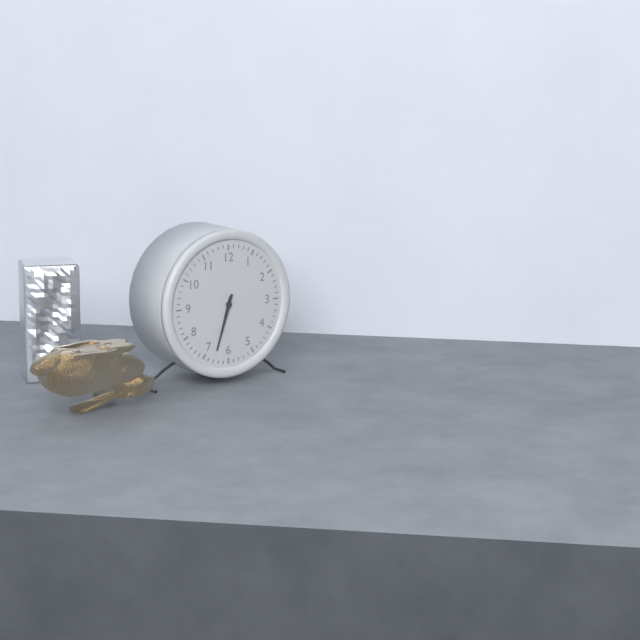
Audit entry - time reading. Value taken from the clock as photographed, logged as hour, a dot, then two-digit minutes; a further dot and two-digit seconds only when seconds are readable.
6.33
